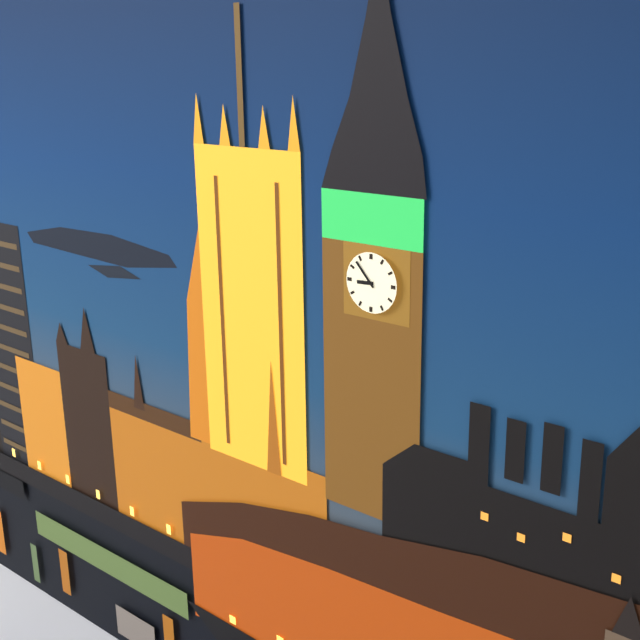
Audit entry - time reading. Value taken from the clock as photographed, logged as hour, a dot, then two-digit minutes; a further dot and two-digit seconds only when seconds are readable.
8.53
